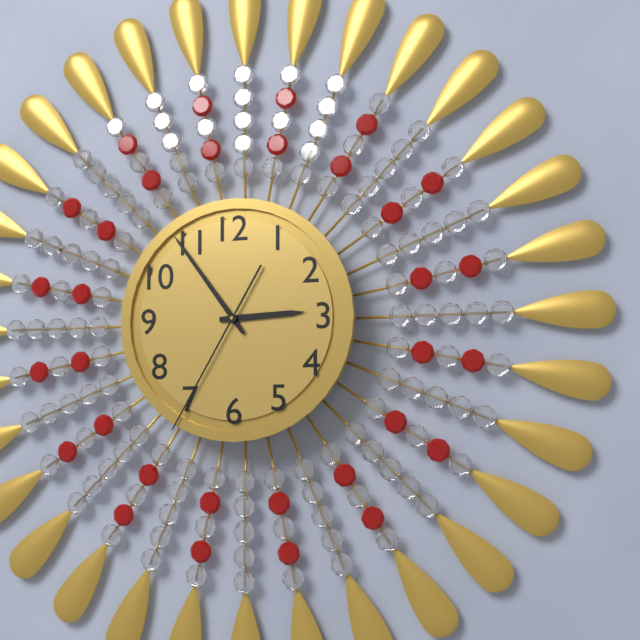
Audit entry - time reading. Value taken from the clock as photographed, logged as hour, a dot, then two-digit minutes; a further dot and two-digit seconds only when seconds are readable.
2.54.35
